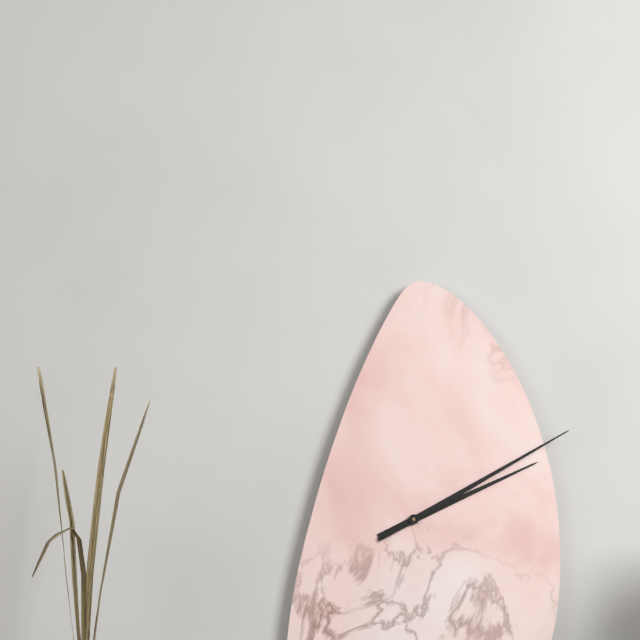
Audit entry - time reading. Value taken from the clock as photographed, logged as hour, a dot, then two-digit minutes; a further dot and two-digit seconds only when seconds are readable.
2.10
